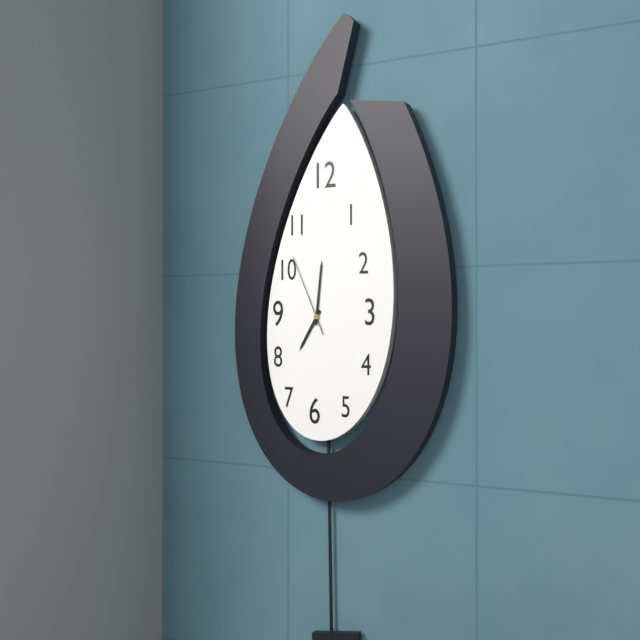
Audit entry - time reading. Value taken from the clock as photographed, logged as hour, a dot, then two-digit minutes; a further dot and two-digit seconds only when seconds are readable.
7.01.56
